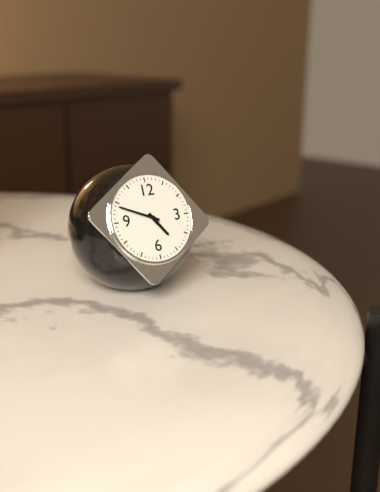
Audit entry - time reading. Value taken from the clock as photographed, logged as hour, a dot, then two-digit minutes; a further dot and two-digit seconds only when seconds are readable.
4.49
